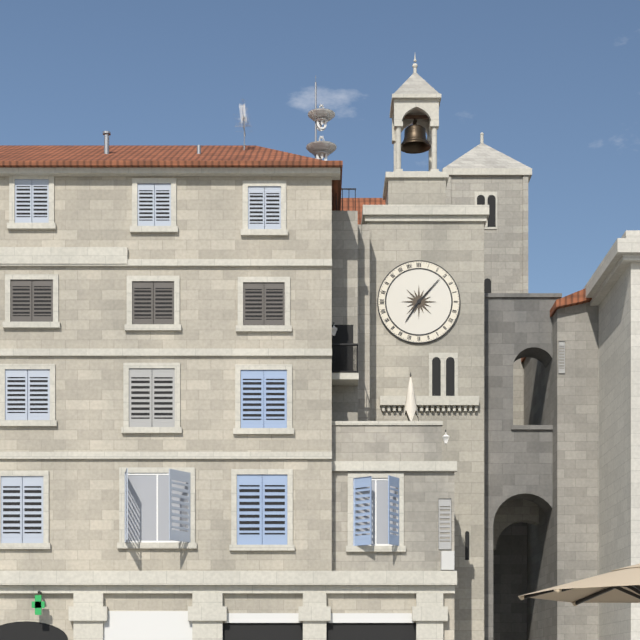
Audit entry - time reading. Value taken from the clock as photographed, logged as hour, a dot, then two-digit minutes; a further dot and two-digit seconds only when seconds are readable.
7.07
